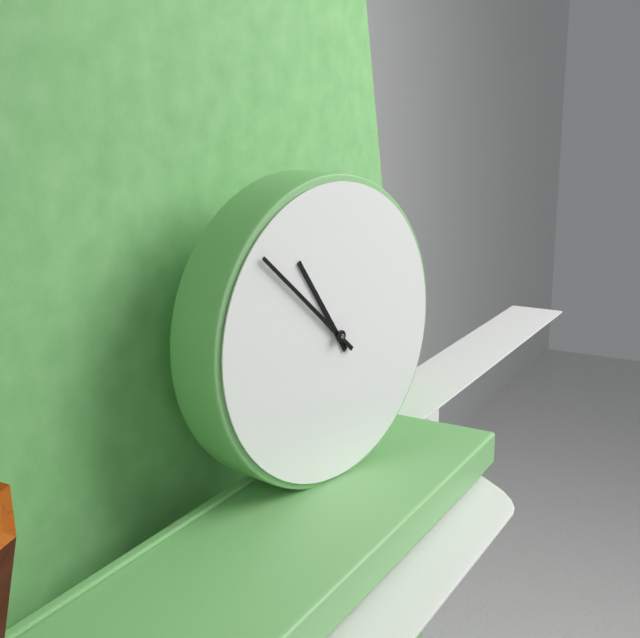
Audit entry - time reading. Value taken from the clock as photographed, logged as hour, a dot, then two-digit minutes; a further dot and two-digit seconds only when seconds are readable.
10.52
